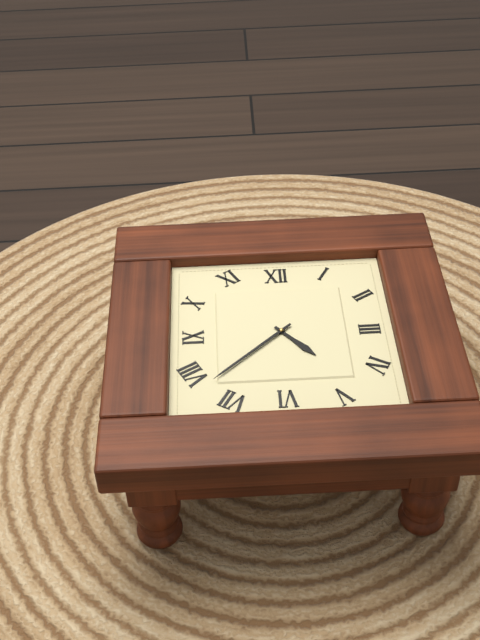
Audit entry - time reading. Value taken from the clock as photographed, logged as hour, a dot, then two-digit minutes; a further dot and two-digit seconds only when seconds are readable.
4.38
